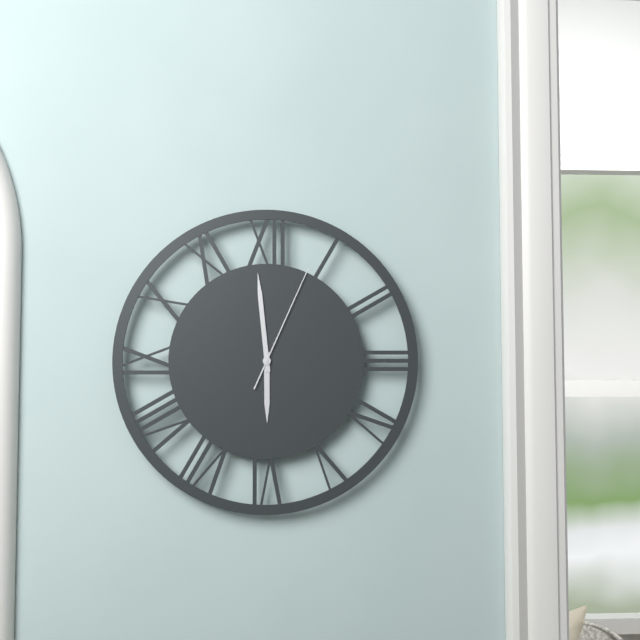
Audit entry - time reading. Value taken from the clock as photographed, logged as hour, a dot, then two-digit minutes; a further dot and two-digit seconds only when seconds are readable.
5.59.04
